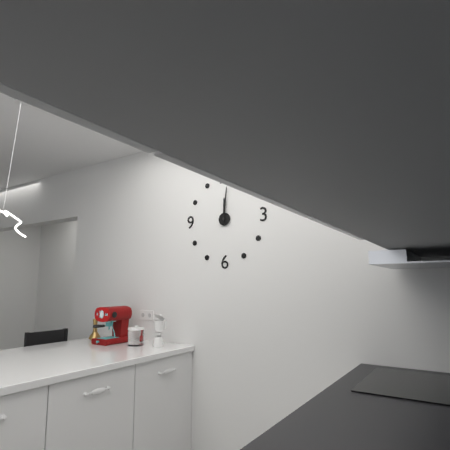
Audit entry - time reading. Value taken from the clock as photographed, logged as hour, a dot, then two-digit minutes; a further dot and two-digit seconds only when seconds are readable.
12.01
